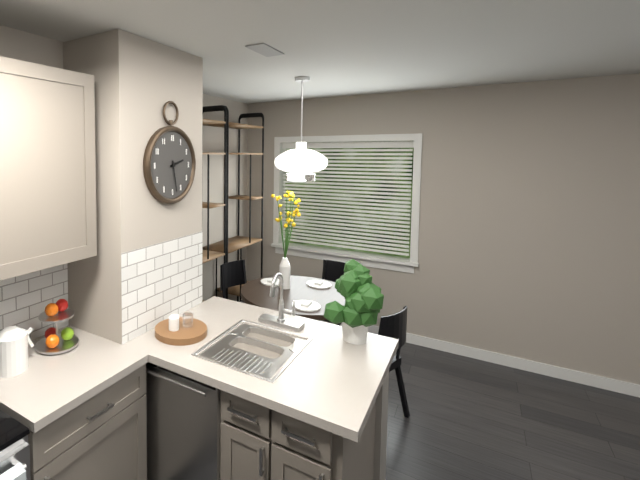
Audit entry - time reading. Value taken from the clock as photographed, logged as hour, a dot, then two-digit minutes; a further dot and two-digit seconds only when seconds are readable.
2.28
